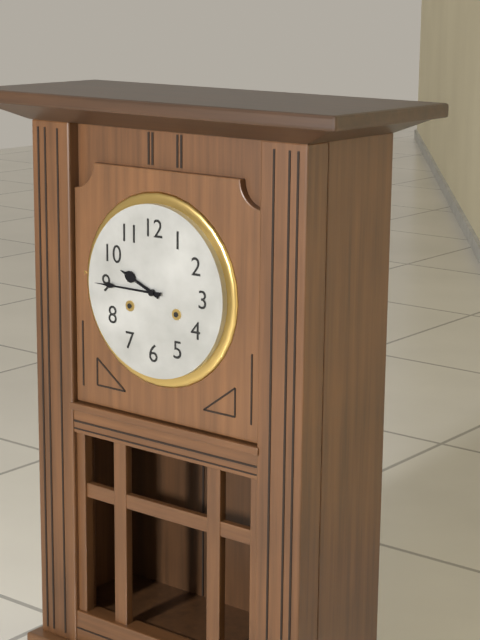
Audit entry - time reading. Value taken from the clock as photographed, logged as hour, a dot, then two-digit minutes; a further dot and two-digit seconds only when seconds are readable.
9.45
